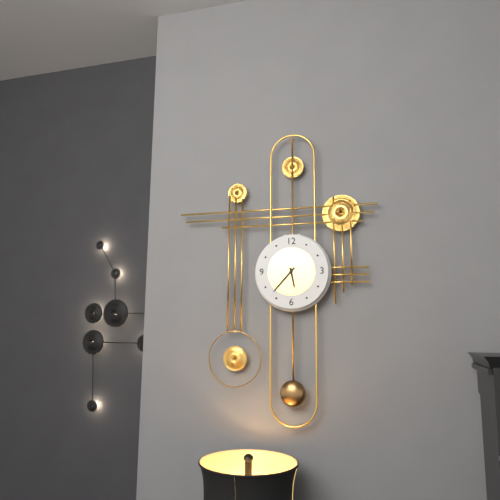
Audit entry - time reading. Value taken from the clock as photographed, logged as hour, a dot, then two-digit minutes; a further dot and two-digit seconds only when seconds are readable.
5.37
